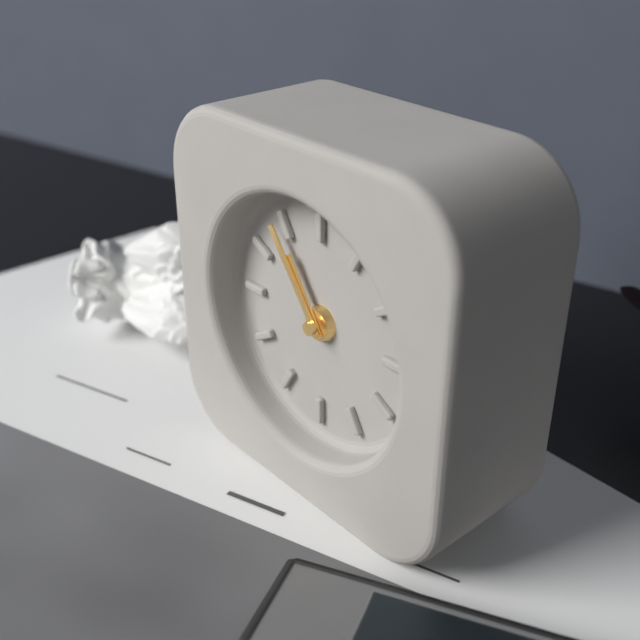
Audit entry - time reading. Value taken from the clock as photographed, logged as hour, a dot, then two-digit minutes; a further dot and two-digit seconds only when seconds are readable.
10.54
